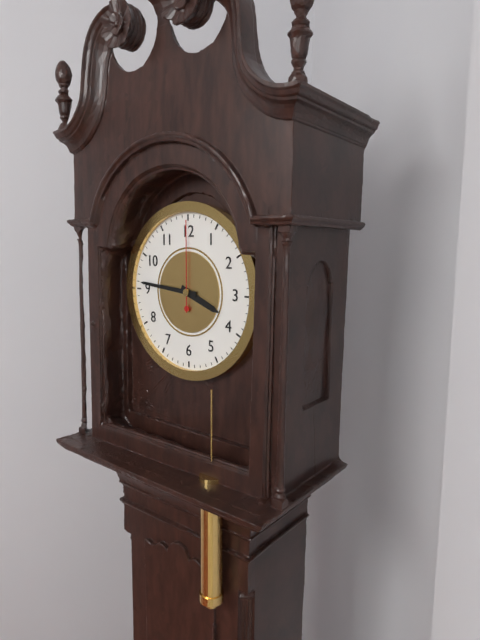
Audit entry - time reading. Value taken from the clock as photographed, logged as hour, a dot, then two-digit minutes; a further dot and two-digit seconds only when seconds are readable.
3.46.00
